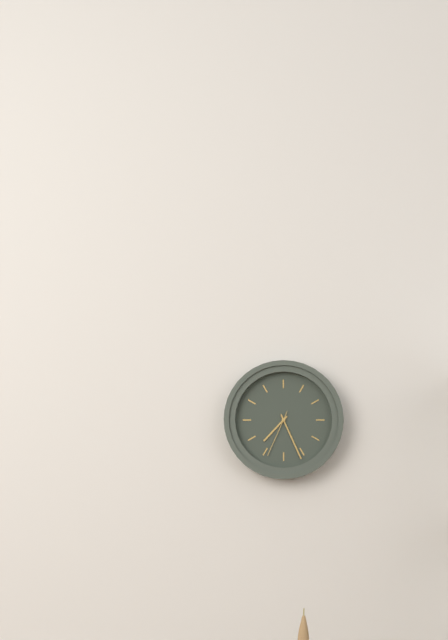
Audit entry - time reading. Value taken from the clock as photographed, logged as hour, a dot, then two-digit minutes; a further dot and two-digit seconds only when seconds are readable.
7.26
